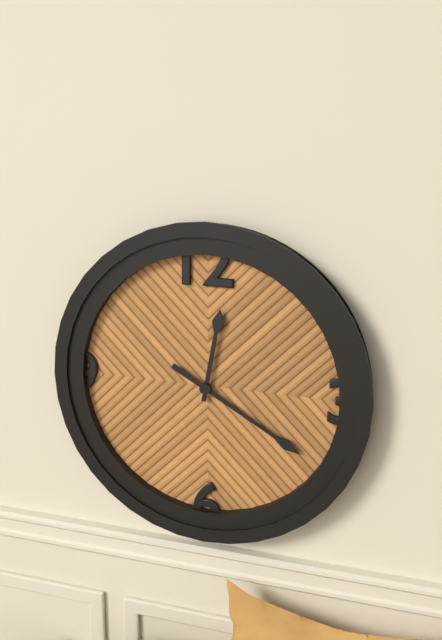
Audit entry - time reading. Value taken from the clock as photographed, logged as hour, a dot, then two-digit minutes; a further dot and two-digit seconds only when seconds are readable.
12.20
